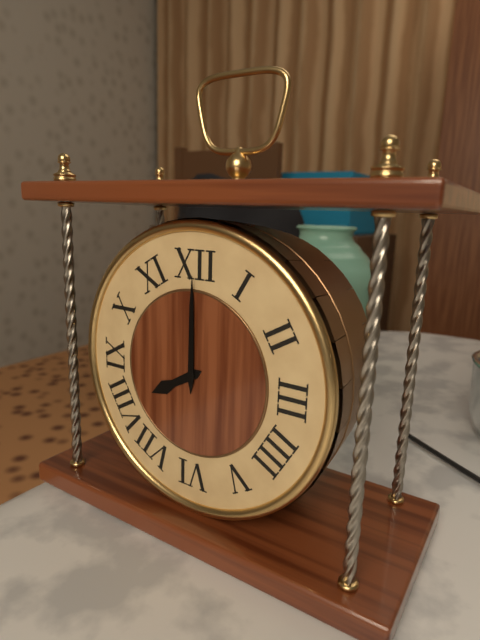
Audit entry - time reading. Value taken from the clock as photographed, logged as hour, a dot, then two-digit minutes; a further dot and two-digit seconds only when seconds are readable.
8.00
